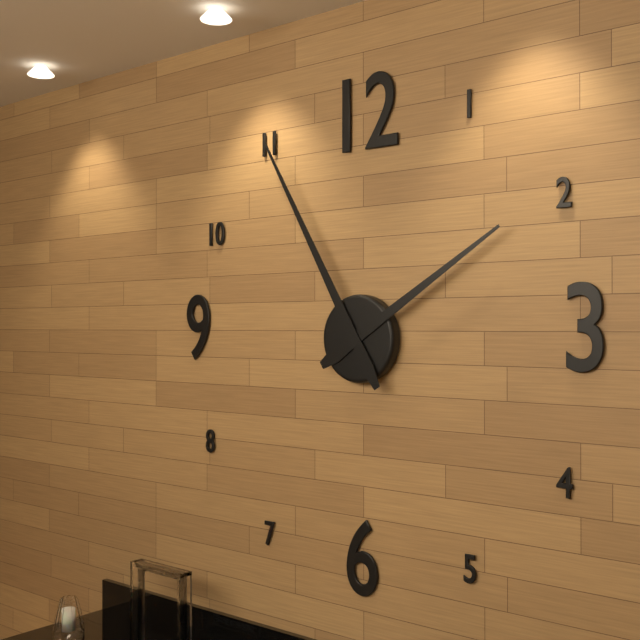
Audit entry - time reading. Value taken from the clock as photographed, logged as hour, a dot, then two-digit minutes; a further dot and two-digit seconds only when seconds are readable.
1.55
